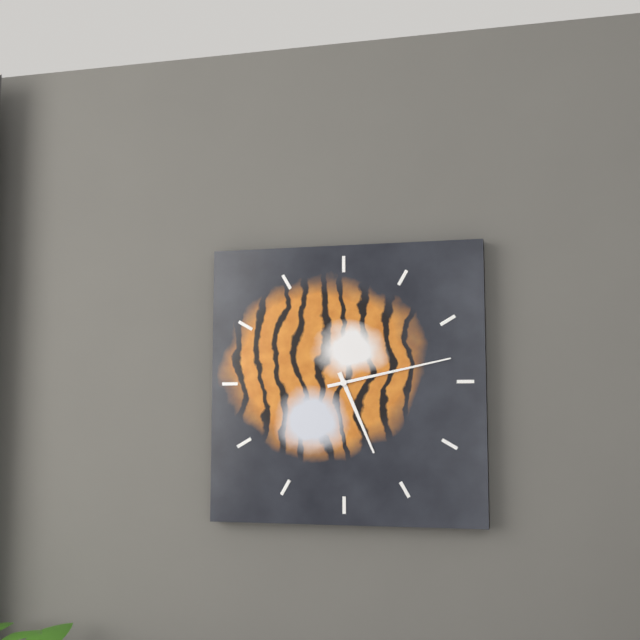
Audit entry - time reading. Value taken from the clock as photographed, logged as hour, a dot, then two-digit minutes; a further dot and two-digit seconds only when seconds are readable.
5.13
